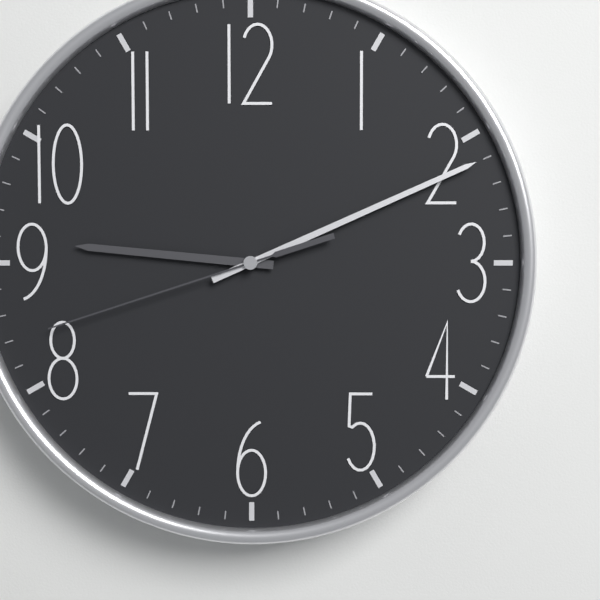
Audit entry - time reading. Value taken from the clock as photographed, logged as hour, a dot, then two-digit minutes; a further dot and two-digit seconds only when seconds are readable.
9.11.42
